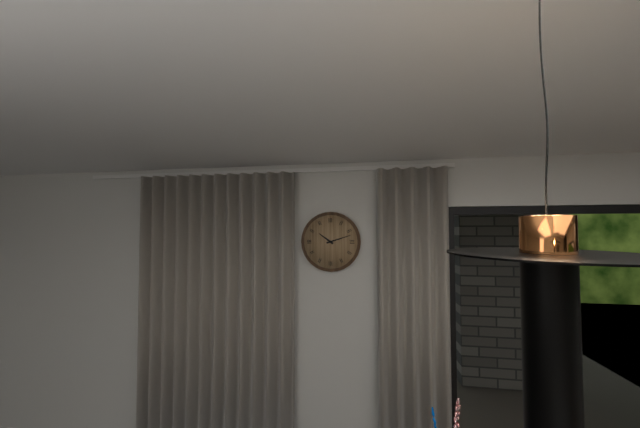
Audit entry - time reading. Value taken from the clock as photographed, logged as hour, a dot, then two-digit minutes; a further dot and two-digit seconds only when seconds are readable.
10.12
